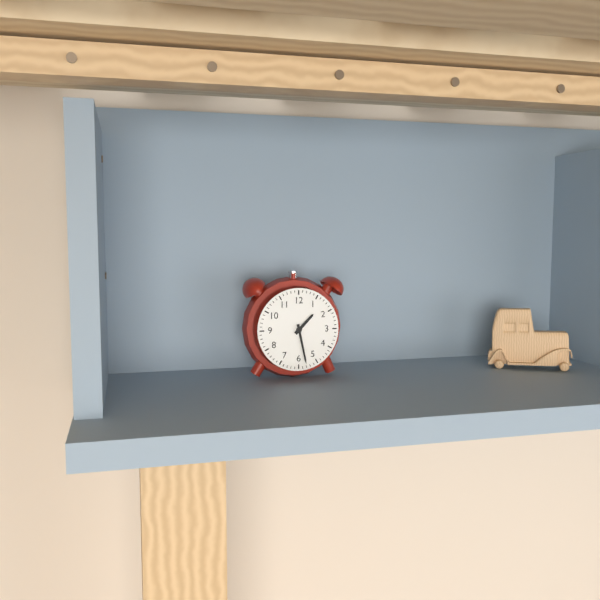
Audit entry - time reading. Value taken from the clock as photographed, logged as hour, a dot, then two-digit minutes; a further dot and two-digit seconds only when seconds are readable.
1.28
